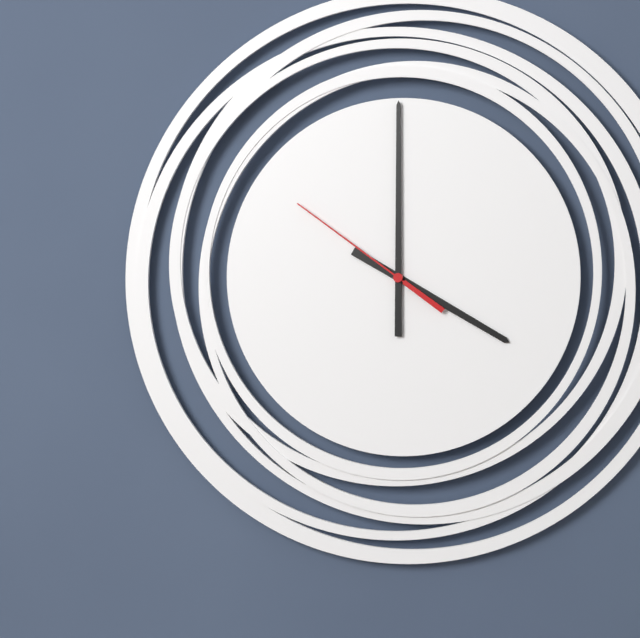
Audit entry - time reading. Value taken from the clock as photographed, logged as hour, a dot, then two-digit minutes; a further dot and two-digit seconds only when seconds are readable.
4.00.51
